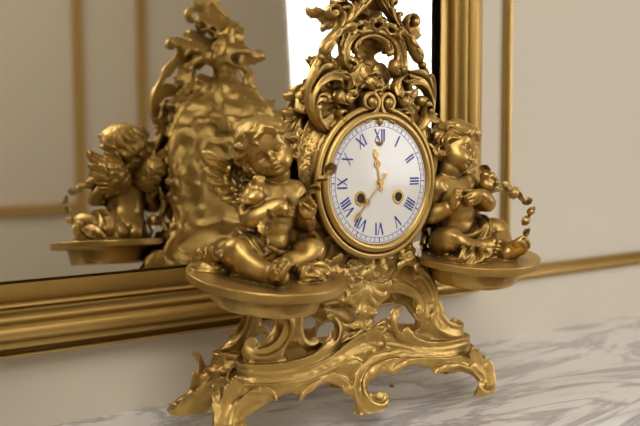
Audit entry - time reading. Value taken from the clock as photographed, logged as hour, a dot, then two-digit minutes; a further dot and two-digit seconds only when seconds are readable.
11.37
